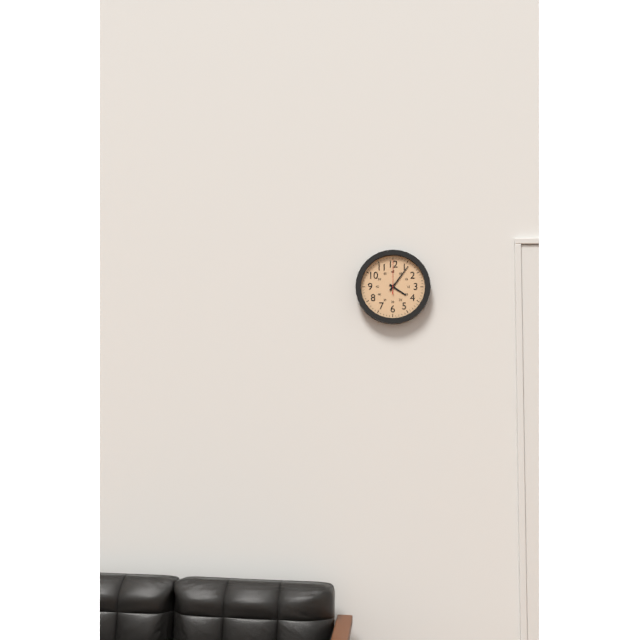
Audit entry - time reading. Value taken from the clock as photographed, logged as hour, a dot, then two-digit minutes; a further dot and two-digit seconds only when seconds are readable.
4.06
